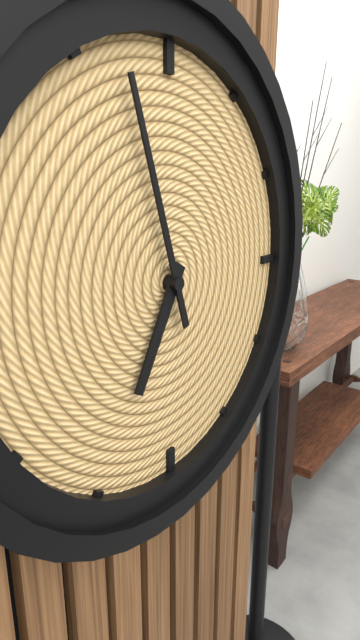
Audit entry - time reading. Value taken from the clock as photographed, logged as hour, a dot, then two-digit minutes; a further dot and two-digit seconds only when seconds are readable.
6.57
